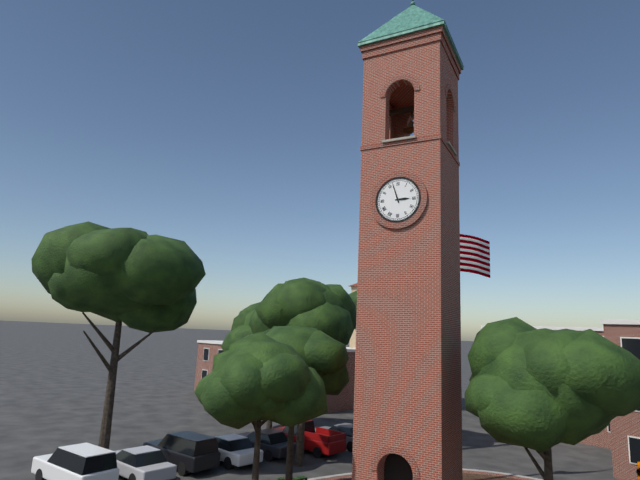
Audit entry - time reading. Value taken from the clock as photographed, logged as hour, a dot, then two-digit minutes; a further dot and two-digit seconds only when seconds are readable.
2.57
